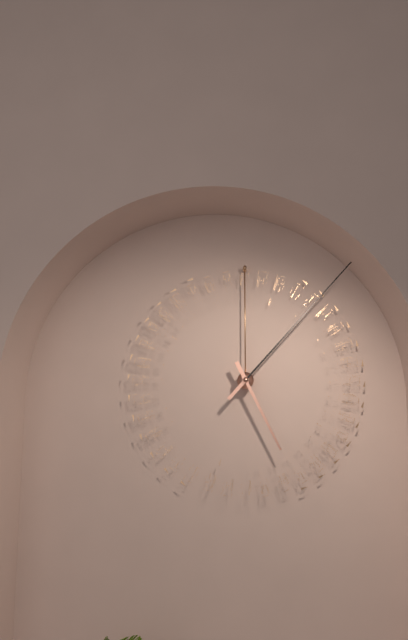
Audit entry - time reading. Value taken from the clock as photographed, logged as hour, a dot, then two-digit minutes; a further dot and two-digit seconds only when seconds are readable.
5.07
